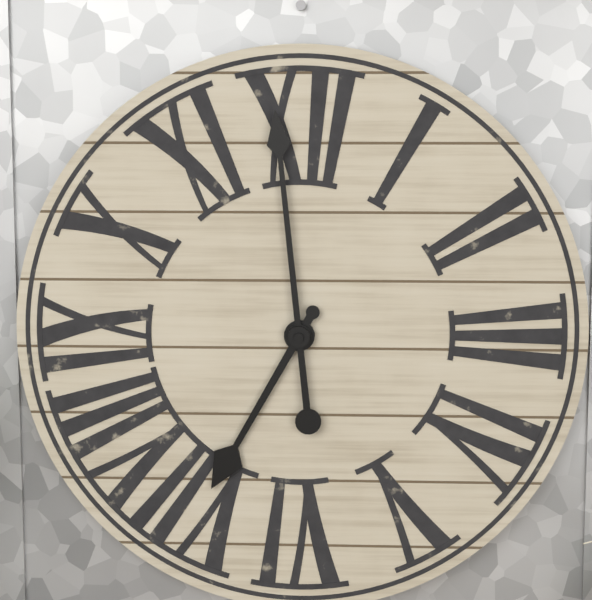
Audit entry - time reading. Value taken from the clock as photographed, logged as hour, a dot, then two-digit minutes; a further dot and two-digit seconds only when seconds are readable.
6.59
